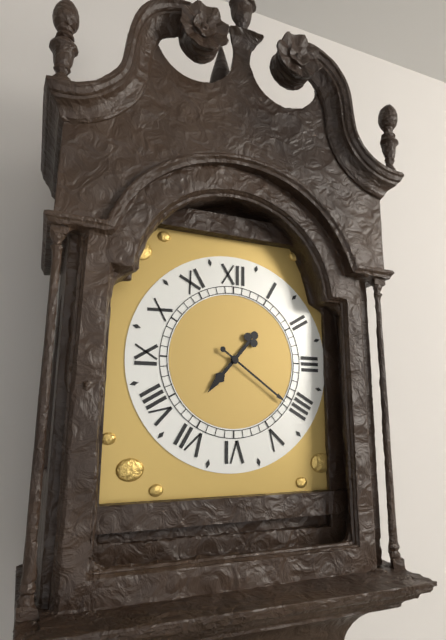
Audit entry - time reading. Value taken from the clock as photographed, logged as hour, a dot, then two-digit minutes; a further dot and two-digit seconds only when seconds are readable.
7.21
